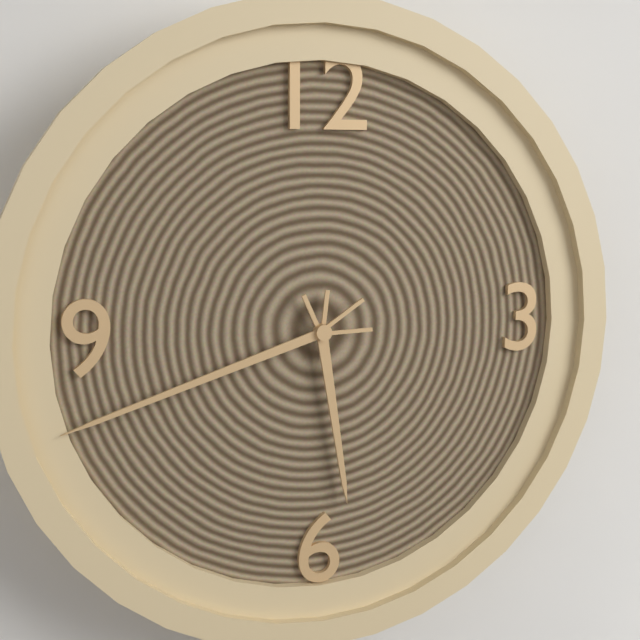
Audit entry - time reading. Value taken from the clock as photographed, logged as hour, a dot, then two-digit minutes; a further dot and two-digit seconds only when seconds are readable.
5.42
